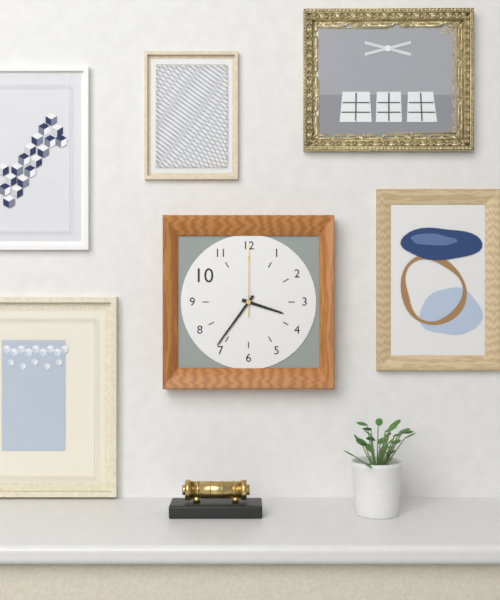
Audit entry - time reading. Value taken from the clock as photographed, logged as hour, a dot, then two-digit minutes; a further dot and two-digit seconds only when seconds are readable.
3.36.00
